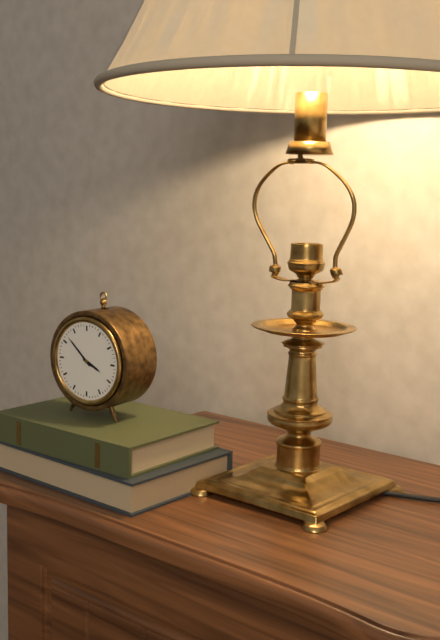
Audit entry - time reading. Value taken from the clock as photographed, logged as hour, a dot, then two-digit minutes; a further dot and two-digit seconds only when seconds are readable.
3.52
